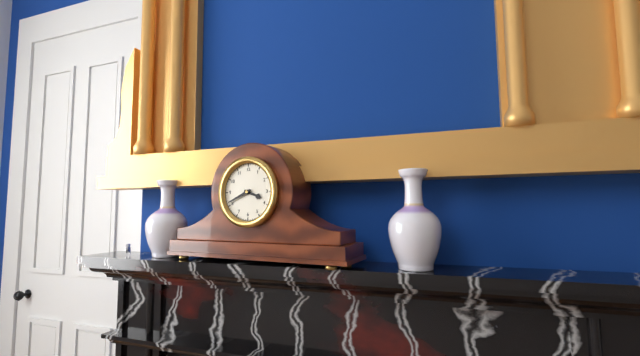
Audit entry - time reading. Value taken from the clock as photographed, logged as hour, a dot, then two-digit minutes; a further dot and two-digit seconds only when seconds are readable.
3.41
